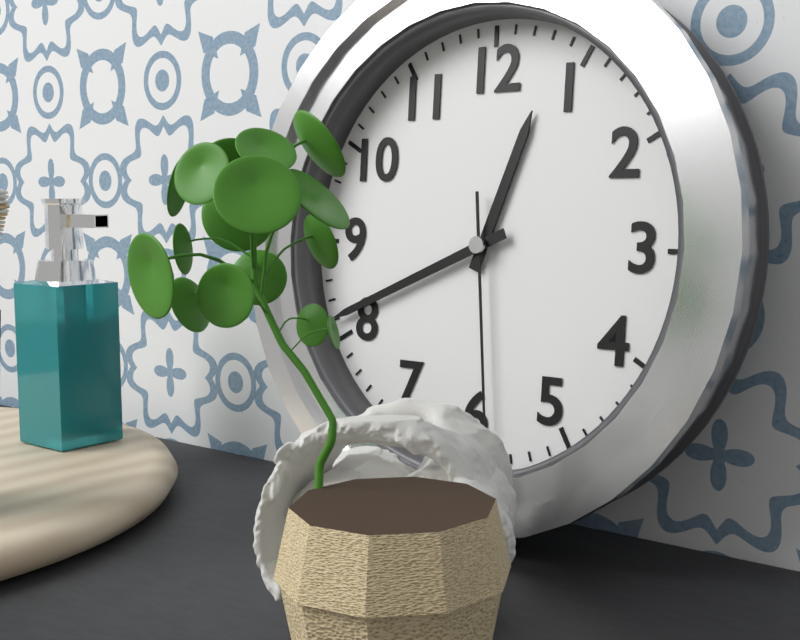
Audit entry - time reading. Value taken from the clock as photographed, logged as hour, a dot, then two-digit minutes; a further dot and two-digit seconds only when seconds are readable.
12.41.29
